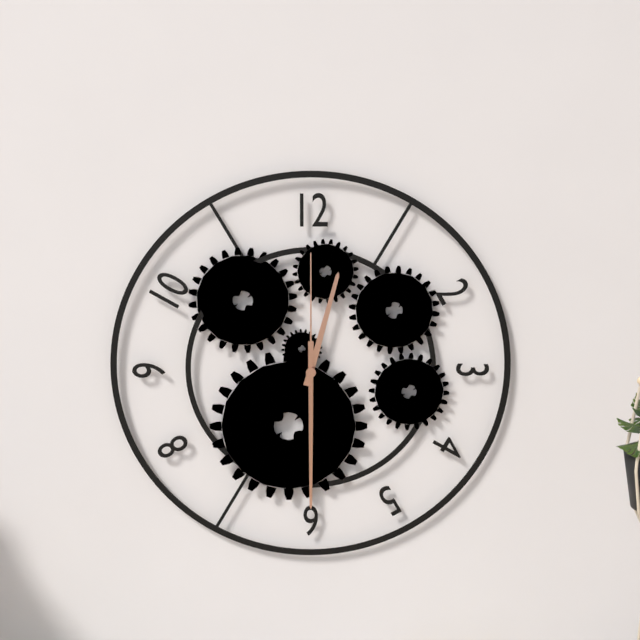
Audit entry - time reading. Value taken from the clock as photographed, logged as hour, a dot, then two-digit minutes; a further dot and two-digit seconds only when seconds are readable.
12.30.00
